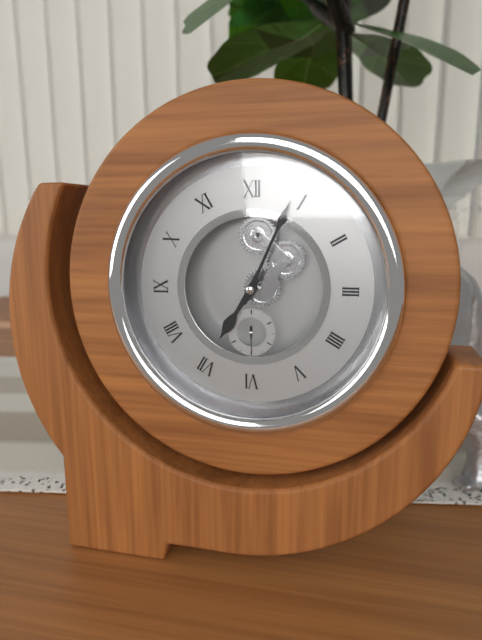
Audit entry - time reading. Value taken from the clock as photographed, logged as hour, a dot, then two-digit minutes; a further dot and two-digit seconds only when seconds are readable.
7.04
